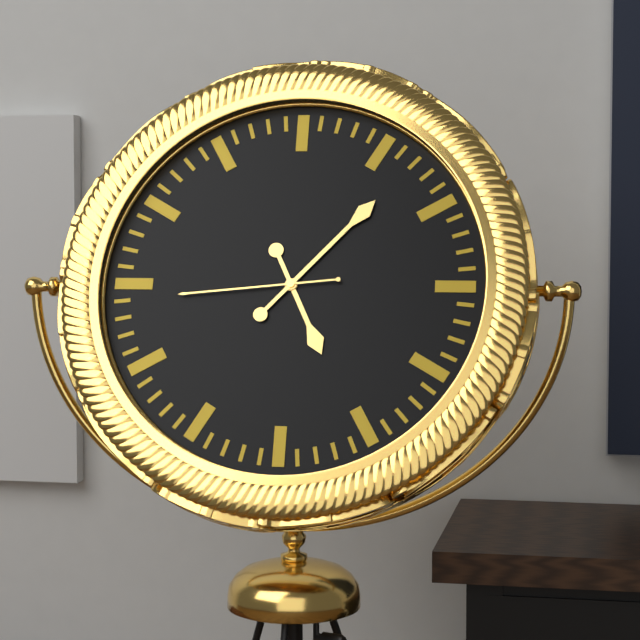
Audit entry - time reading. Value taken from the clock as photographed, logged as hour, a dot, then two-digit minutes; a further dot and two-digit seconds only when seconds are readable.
5.07.44
